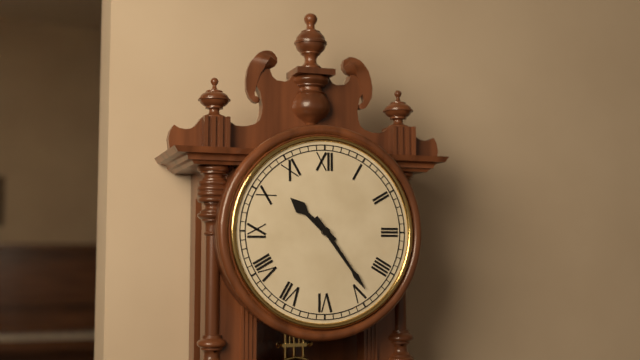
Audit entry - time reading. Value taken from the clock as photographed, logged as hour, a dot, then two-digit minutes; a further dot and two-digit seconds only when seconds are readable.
10.24
